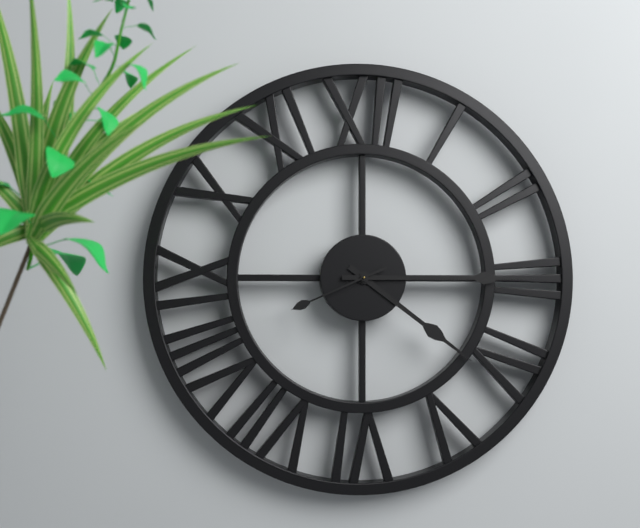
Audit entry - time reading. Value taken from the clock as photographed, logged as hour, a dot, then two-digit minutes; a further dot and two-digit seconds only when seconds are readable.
4.15.41
